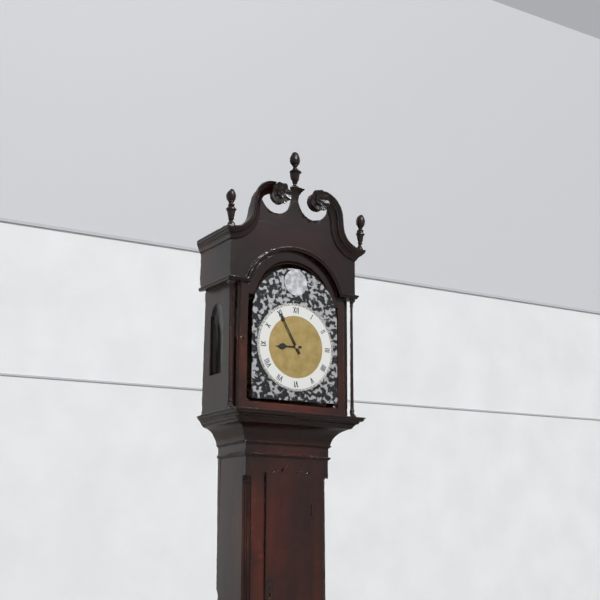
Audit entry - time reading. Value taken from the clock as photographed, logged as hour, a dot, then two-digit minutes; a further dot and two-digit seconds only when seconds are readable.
8.55
